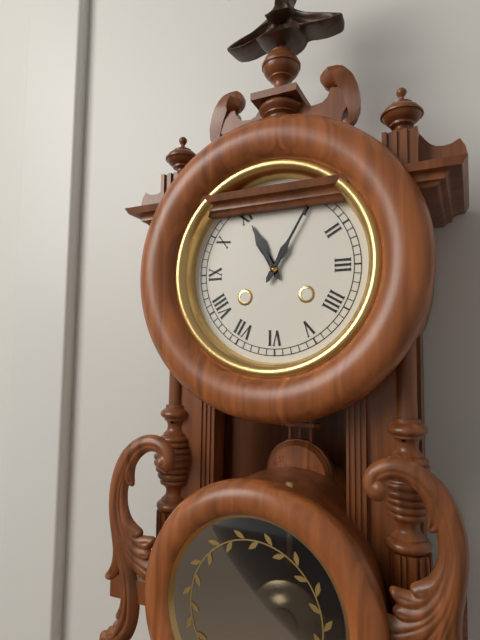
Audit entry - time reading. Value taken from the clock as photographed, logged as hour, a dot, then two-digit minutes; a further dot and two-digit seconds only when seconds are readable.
11.05
